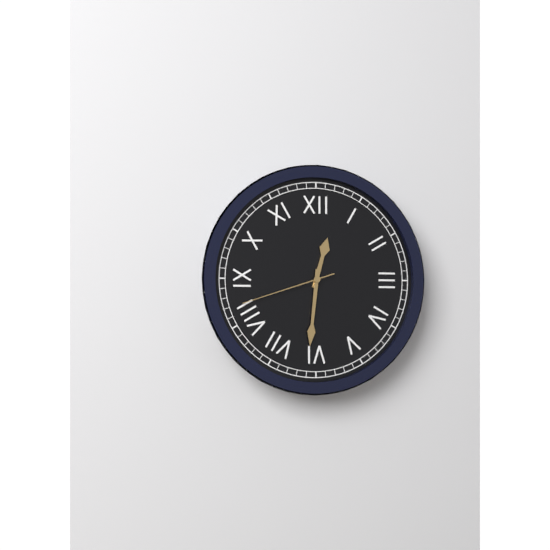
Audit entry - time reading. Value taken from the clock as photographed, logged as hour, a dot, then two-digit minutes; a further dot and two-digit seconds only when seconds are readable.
12.31.42
